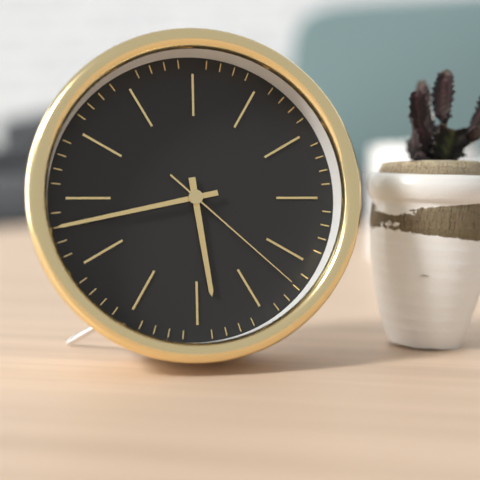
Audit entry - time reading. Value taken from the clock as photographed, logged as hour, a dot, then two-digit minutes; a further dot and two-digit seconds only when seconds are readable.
5.43.22
